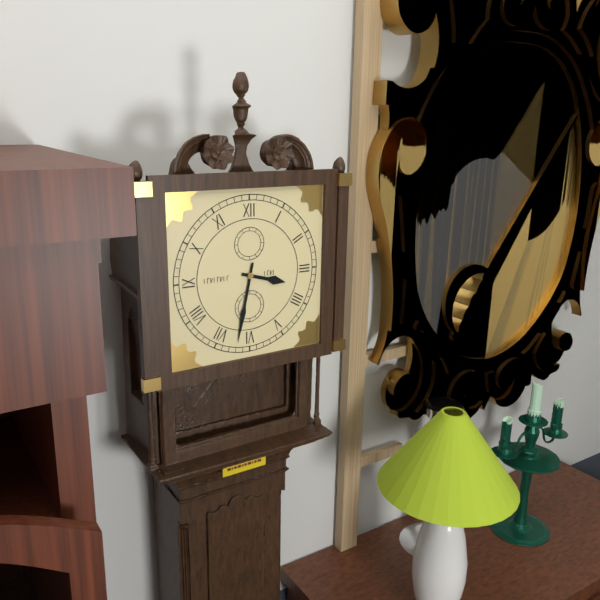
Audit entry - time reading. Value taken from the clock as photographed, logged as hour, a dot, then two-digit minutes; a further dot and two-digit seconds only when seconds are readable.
3.32
